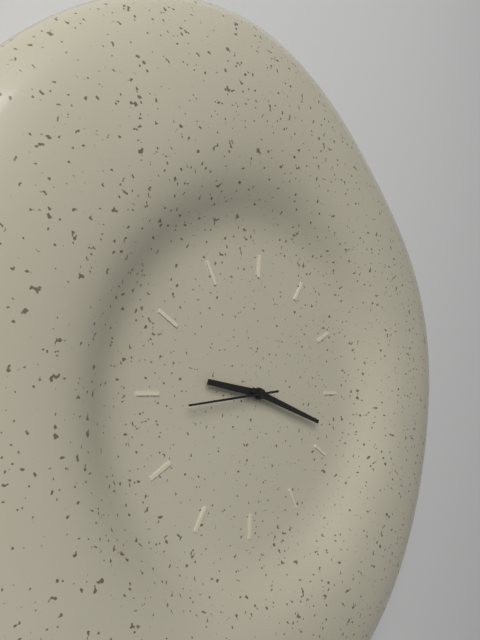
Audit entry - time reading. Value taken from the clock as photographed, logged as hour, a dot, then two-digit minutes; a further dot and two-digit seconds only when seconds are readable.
9.18.44
